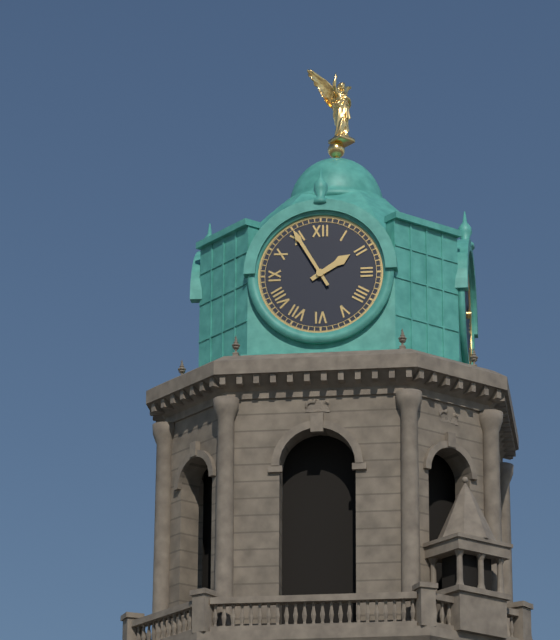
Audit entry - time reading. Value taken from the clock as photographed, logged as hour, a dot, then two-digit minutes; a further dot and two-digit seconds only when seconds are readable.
1.55
